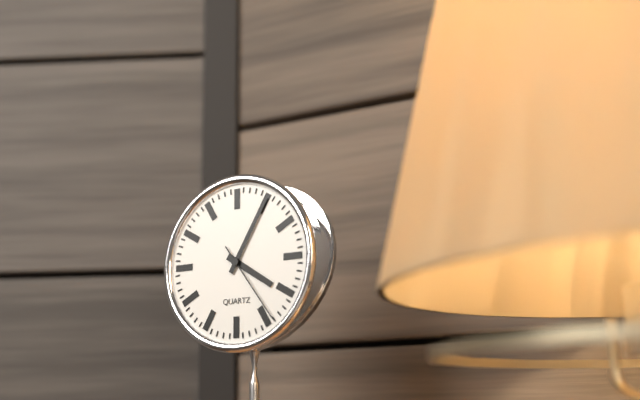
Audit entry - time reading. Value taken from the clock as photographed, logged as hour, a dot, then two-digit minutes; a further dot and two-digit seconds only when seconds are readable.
4.05.24
